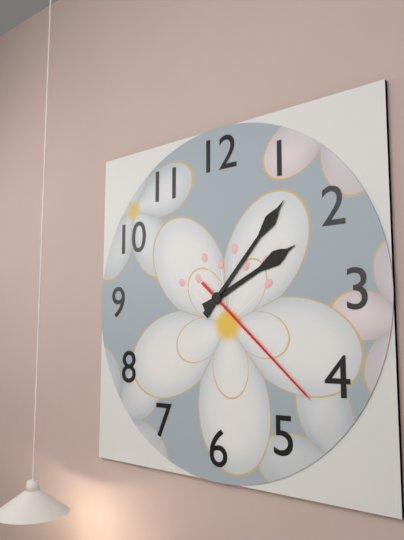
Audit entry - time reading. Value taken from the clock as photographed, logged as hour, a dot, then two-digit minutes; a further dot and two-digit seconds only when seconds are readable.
2.07.22
